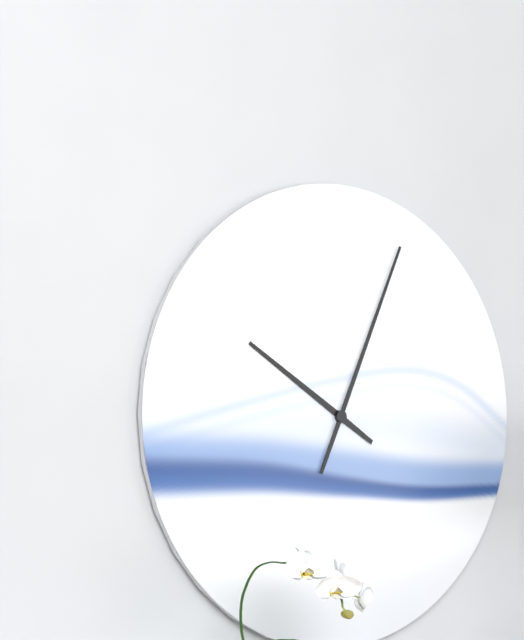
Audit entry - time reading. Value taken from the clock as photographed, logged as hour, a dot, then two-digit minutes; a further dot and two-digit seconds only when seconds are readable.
10.04
